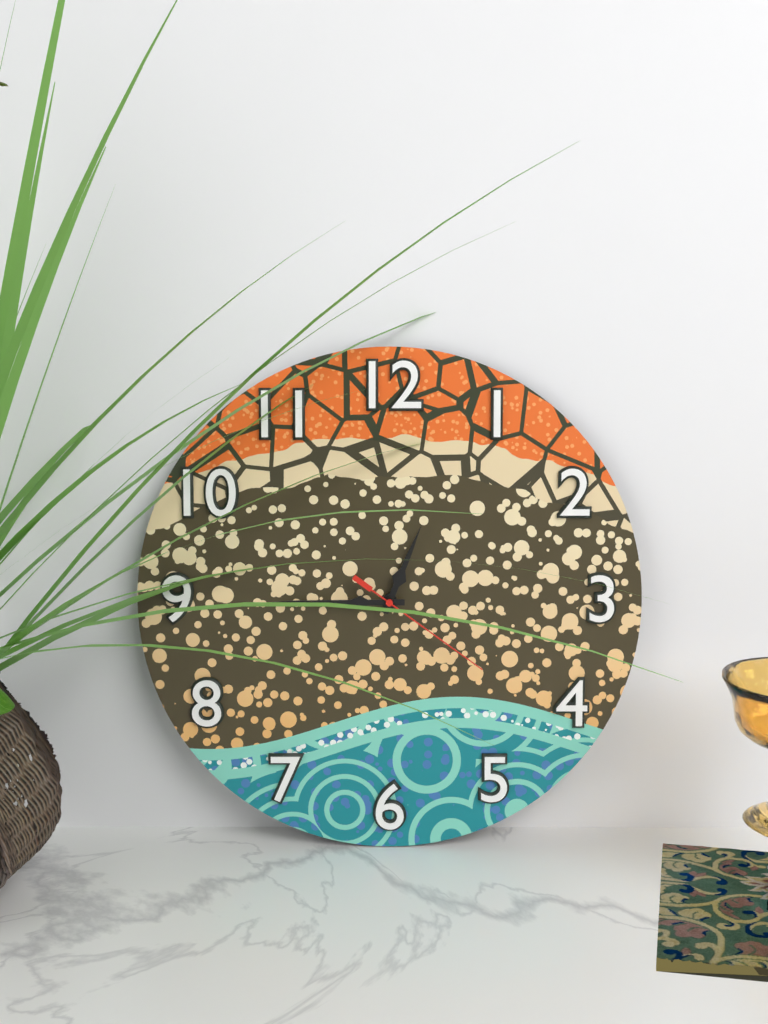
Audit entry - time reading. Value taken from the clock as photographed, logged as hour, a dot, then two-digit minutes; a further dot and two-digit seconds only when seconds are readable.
12.45.21
